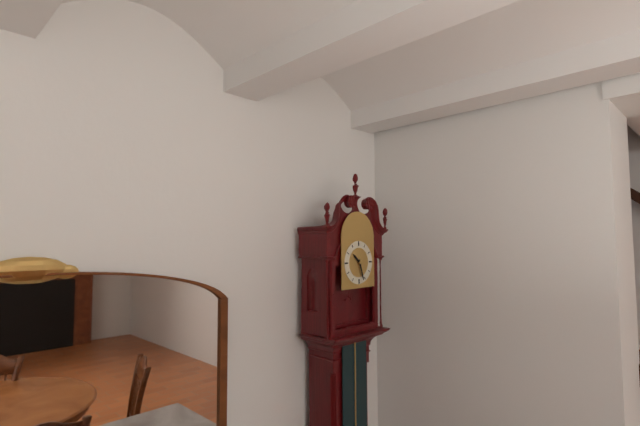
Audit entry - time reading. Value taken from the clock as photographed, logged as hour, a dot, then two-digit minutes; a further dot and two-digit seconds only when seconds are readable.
10.27
